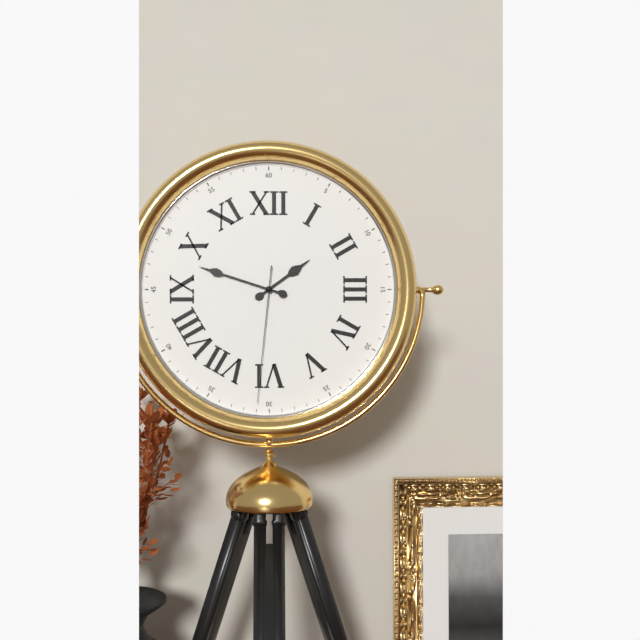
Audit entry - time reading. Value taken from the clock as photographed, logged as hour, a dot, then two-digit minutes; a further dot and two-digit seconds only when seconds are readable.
1.48.31
